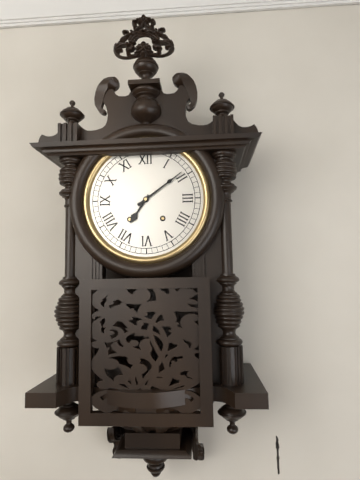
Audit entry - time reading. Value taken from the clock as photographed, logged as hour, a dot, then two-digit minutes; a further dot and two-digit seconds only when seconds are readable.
7.09
